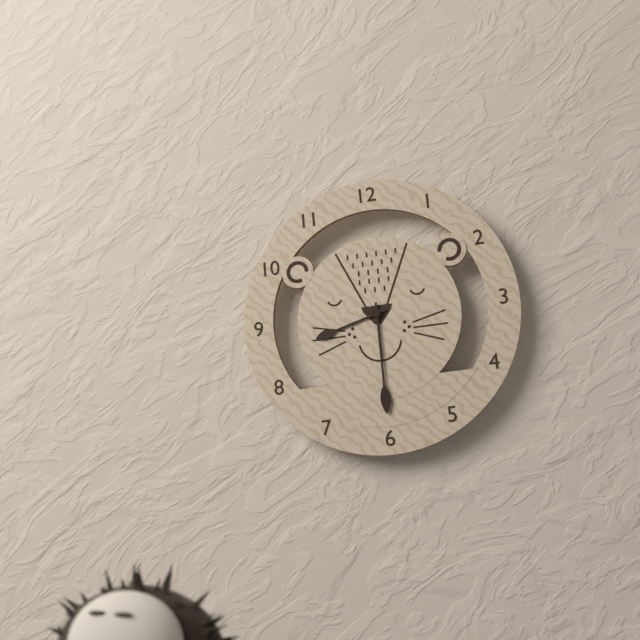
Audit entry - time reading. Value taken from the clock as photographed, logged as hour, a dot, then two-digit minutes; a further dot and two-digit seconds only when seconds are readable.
8.30
